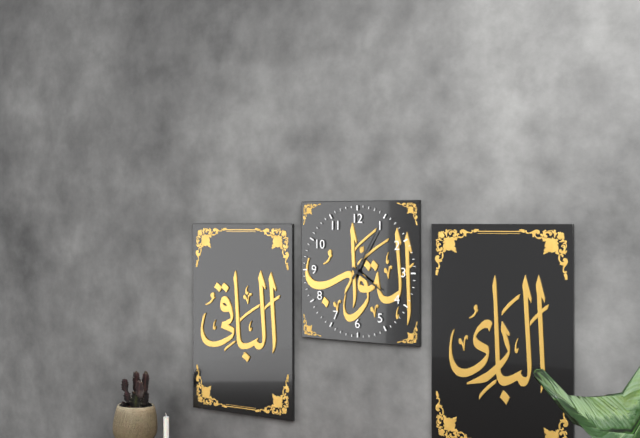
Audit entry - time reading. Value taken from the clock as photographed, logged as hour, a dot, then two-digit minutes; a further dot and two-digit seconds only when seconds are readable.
4.05
